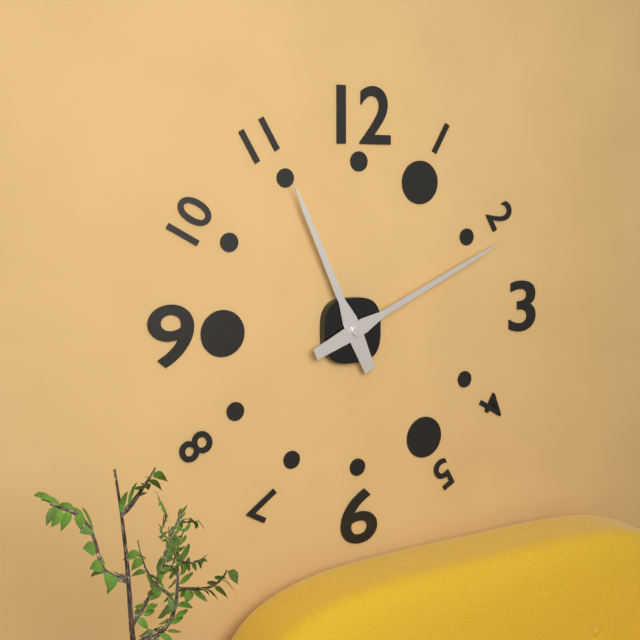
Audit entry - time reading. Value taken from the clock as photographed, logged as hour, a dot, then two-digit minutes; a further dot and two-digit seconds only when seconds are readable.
11.11
